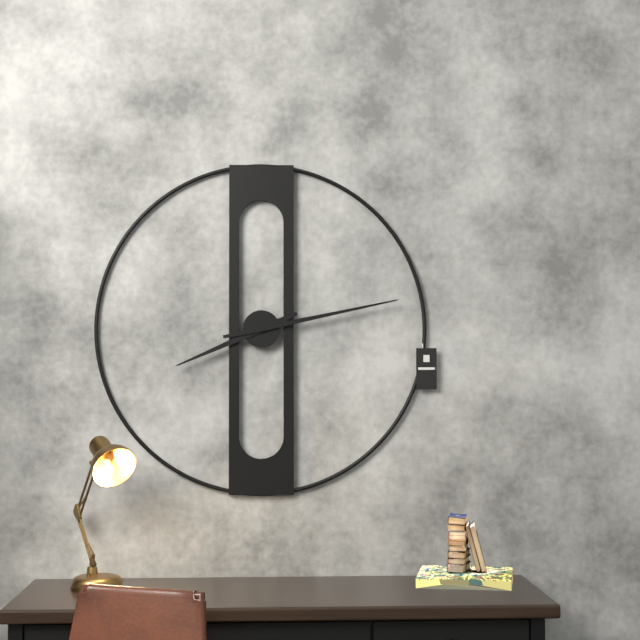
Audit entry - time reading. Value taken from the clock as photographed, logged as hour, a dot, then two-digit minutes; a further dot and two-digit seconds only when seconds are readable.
8.13
